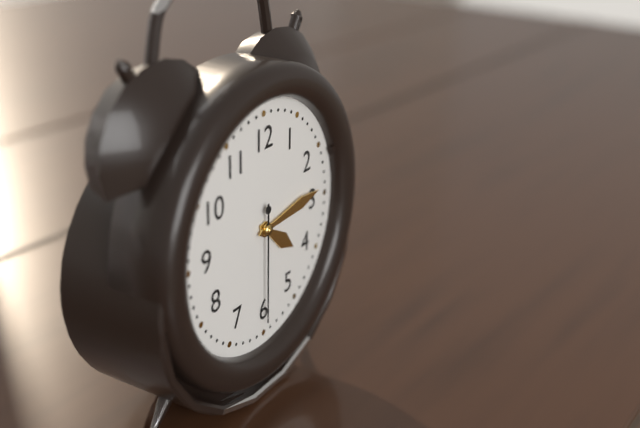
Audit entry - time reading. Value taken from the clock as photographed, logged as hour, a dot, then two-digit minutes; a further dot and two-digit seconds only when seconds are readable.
4.14.30
